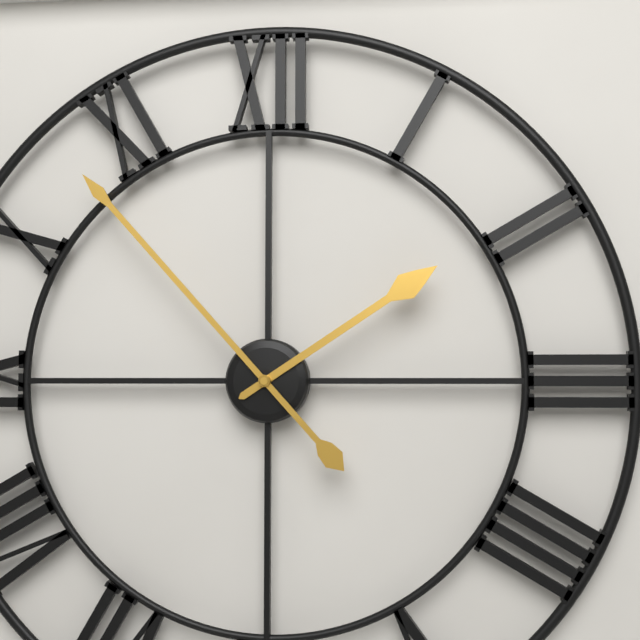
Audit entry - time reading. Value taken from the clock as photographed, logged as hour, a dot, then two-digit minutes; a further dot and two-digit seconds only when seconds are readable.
1.53
